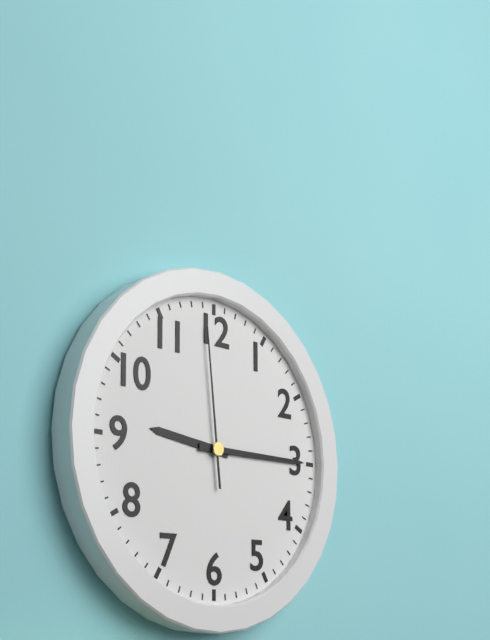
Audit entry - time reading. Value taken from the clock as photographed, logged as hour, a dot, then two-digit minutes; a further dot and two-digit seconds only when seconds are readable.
9.15.59
